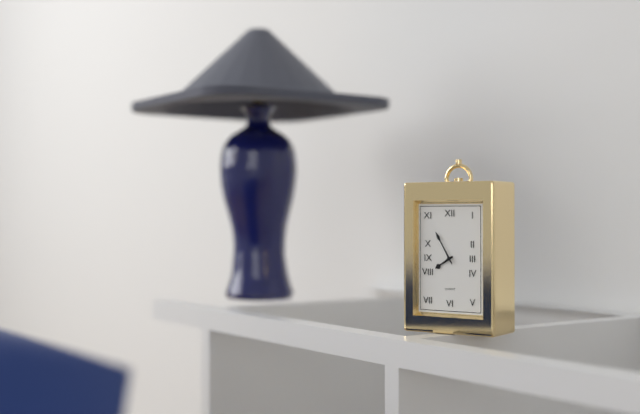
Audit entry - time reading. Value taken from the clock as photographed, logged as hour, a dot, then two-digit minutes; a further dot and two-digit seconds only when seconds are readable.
7.55
